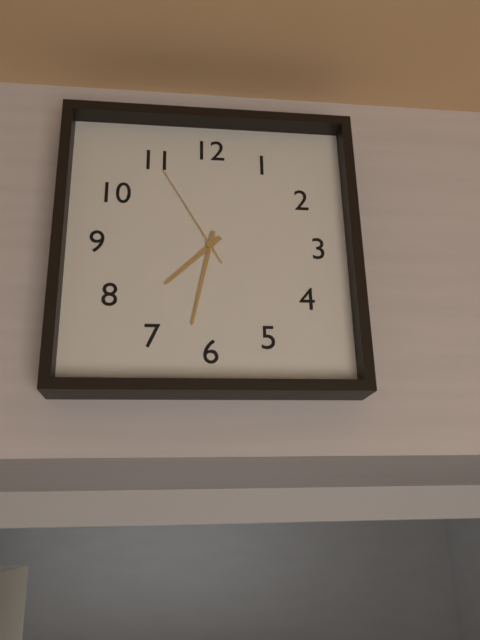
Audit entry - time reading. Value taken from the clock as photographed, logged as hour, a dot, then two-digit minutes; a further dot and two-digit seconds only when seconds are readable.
7.32.55
